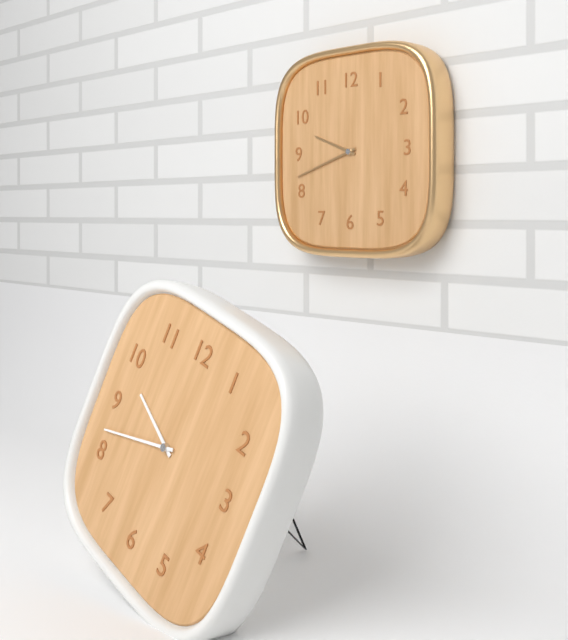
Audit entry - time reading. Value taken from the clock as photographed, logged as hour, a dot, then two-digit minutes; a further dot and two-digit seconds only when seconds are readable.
9.42
